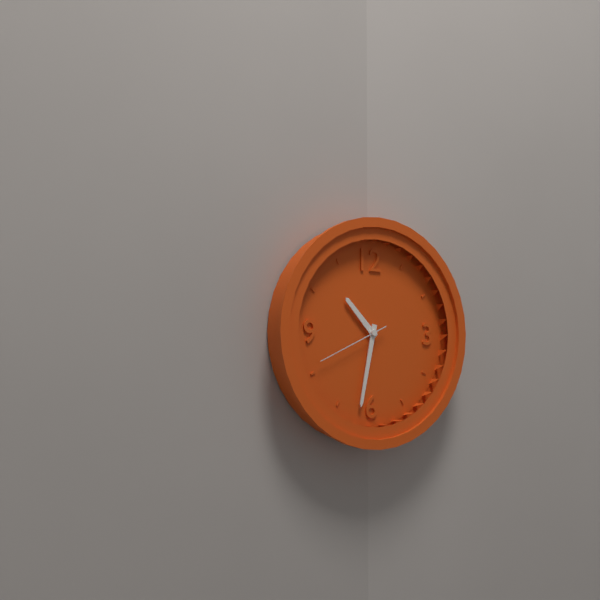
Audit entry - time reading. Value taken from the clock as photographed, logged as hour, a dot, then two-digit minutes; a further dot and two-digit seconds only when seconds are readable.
10.32.41
